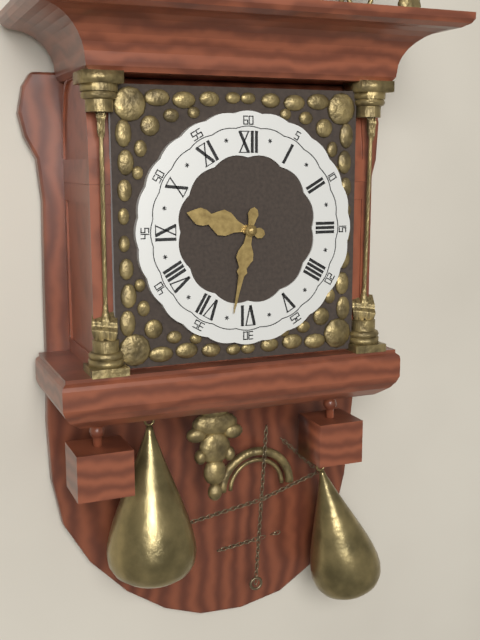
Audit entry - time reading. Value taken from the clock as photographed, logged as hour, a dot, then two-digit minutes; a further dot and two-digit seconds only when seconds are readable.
9.32
